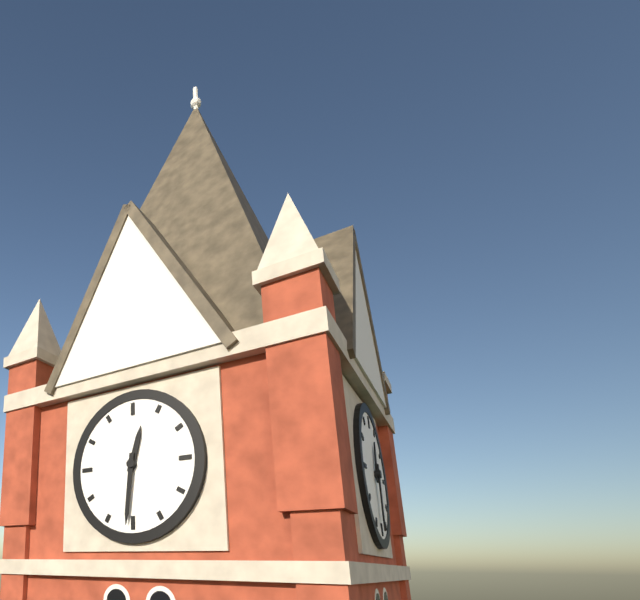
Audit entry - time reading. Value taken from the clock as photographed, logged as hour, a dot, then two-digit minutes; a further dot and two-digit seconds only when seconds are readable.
12.31
